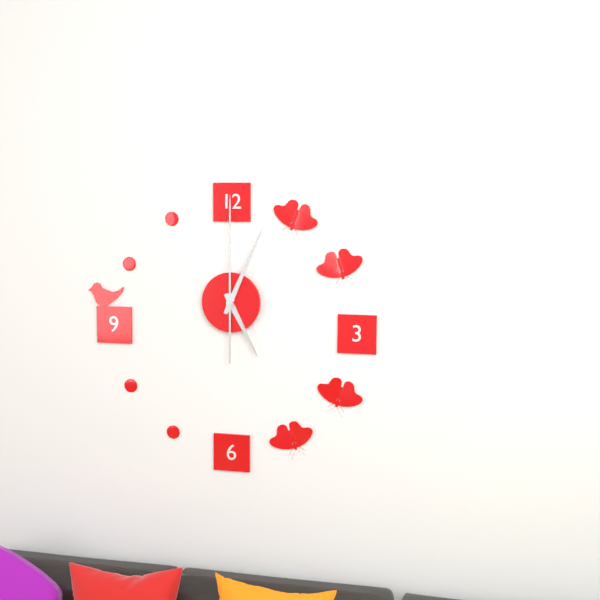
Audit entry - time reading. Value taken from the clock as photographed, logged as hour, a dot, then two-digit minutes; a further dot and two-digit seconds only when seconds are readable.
5.04.00
